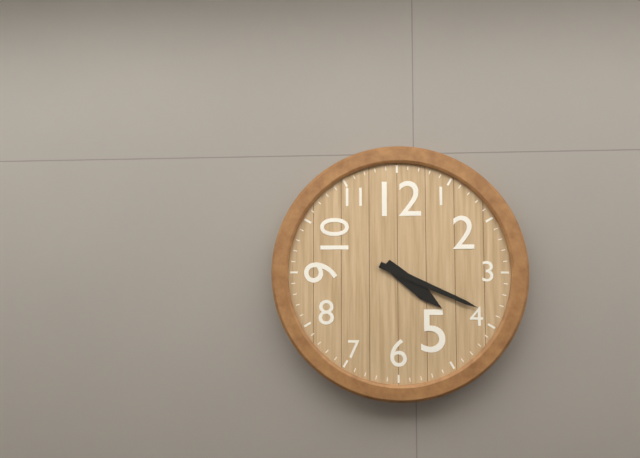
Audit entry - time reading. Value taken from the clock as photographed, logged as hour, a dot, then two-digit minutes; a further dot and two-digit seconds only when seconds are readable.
4.19
